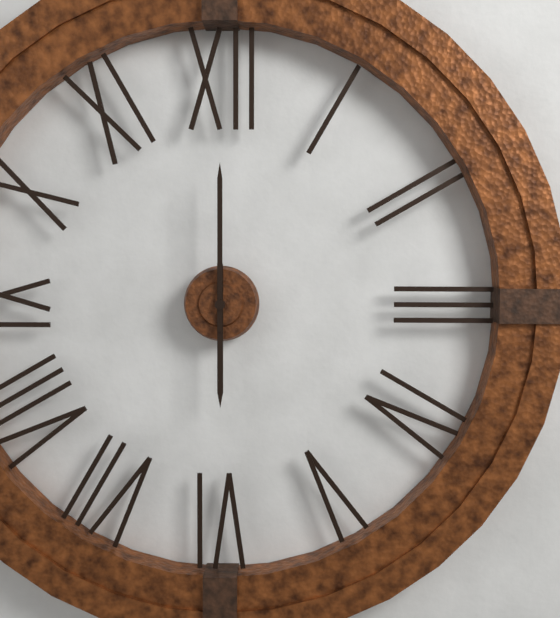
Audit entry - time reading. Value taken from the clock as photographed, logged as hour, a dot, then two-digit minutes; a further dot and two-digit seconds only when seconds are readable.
6.00
